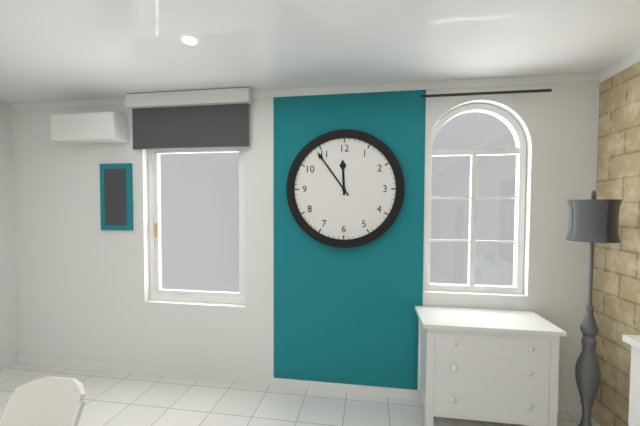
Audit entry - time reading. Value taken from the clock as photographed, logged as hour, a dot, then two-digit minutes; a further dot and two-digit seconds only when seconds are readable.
11.54
